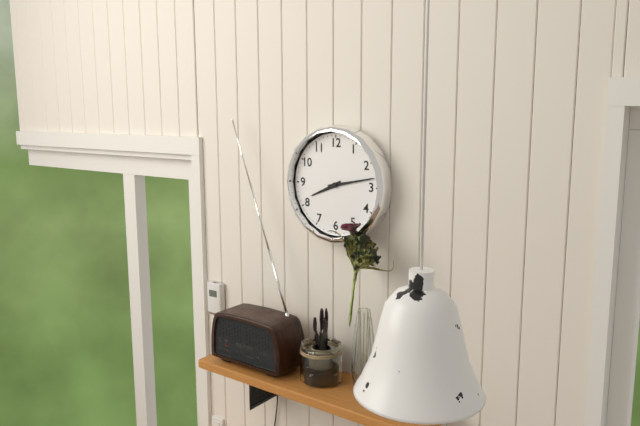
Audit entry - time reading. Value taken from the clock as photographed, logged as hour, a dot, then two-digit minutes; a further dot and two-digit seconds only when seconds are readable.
8.13
